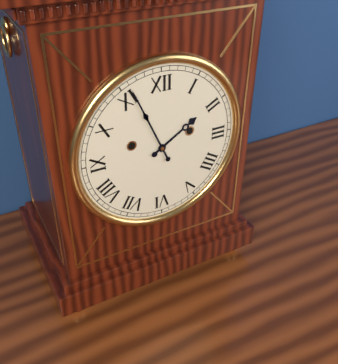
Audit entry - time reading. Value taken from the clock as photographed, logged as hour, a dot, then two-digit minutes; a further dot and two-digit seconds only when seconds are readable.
1.56
